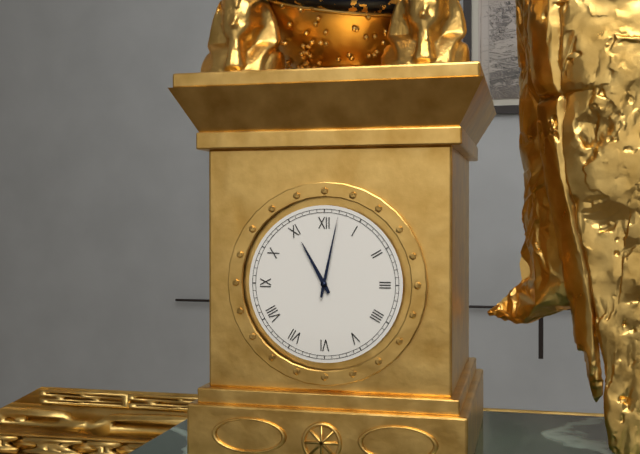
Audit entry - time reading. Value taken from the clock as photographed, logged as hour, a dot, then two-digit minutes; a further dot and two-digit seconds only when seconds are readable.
11.02
